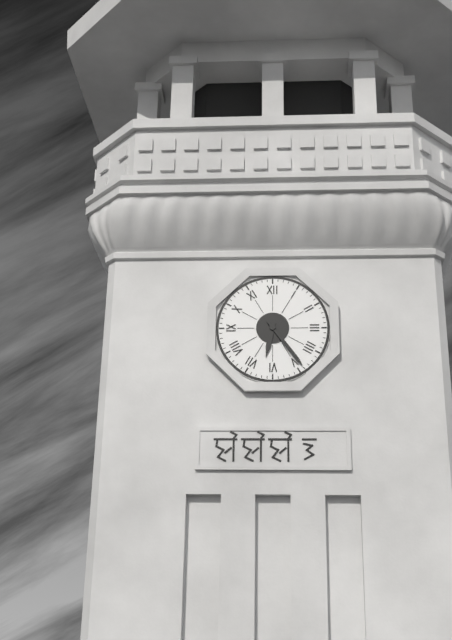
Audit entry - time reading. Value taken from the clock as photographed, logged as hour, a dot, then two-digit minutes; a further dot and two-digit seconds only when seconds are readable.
6.24
